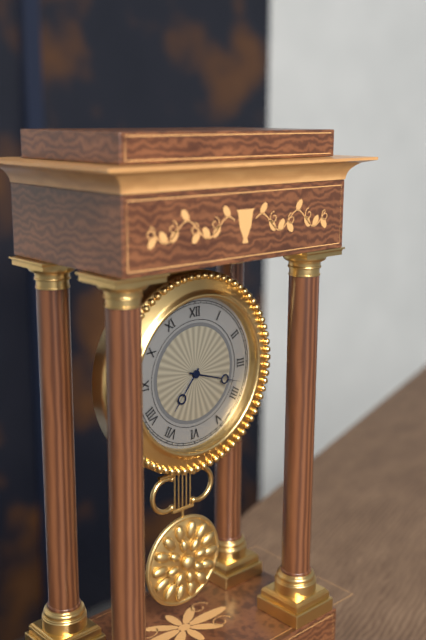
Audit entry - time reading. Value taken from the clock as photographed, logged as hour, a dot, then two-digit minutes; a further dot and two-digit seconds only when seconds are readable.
7.18
